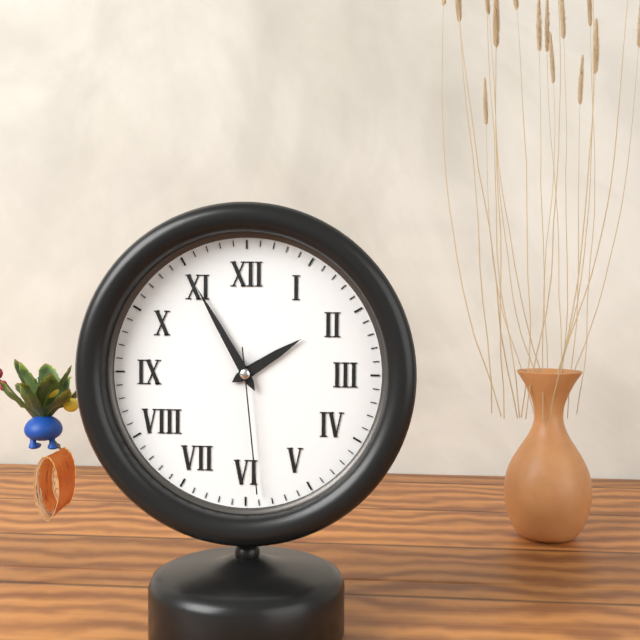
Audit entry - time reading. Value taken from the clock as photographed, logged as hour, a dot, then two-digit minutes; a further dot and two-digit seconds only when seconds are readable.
1.55.29
